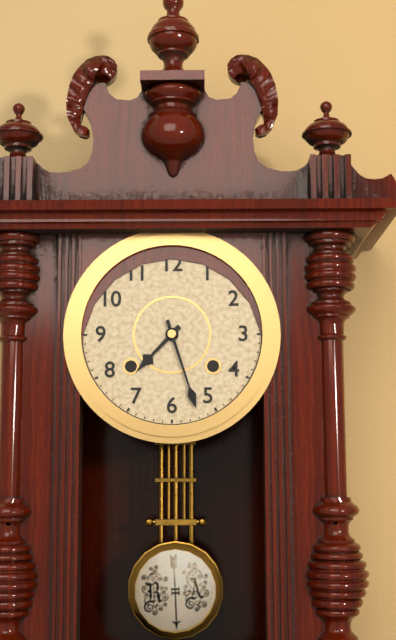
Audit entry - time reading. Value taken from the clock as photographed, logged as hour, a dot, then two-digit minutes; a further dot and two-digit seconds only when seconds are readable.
7.27
